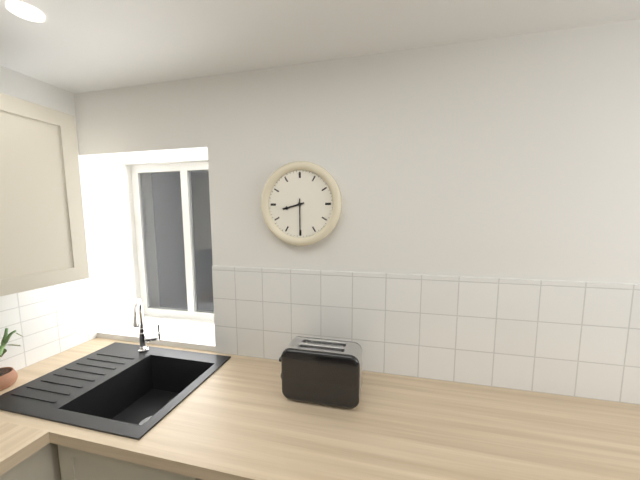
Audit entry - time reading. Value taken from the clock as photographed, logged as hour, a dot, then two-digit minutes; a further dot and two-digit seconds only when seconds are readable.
8.30
